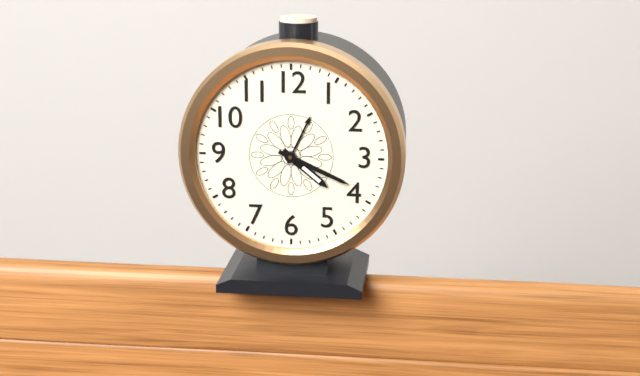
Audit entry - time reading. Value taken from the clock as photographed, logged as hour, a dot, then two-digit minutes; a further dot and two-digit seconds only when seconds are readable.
4.19
